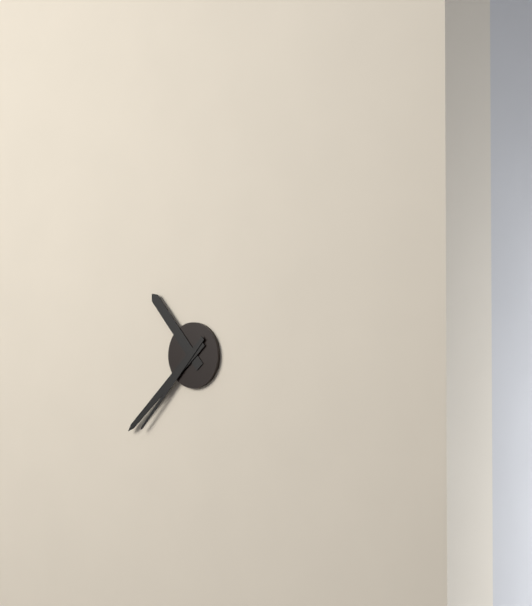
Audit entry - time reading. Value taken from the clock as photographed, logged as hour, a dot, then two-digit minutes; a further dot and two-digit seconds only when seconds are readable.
10.38.37
